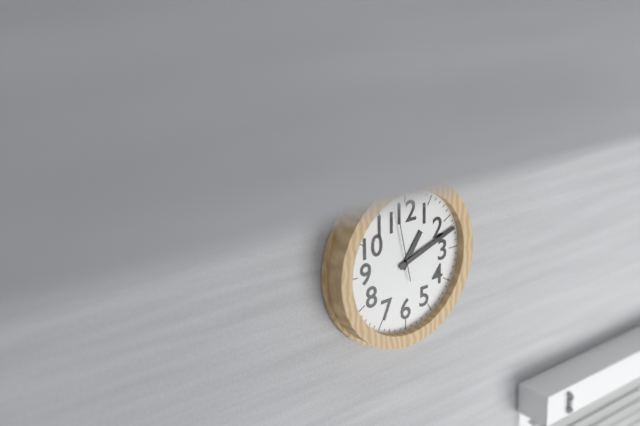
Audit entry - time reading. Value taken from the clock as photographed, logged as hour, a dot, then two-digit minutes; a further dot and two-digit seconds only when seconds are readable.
1.12.58
